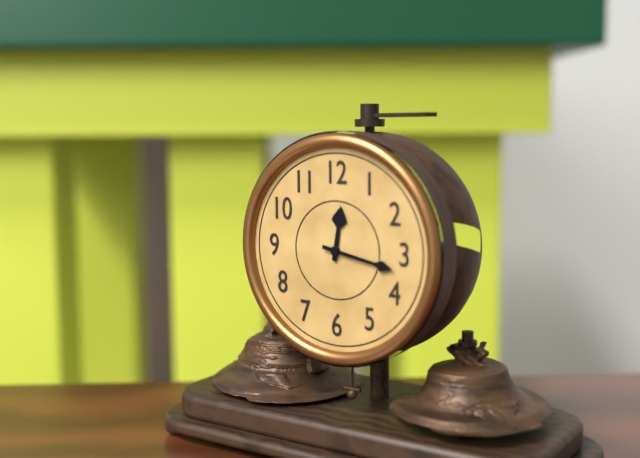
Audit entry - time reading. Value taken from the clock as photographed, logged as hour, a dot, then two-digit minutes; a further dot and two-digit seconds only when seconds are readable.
12.17
